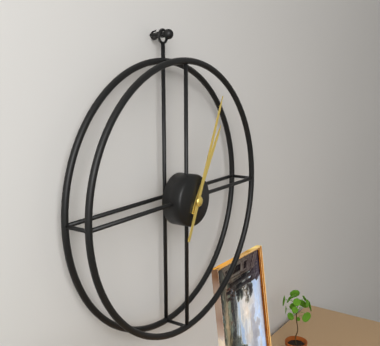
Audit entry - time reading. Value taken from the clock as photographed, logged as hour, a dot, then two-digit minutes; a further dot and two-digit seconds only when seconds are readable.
1.04
